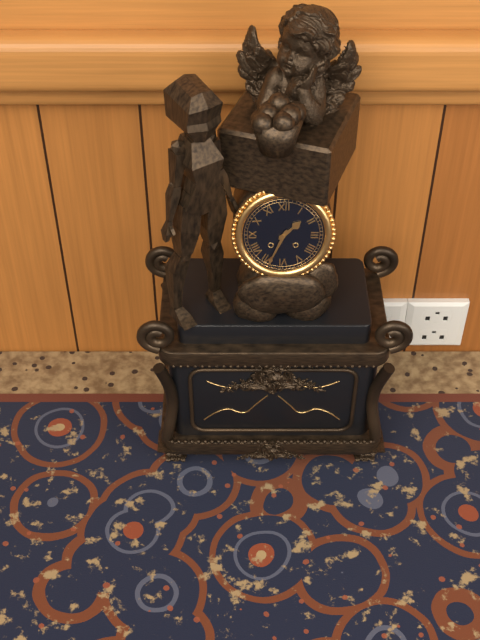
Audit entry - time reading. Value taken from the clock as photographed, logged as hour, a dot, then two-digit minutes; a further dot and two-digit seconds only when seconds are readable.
1.34
